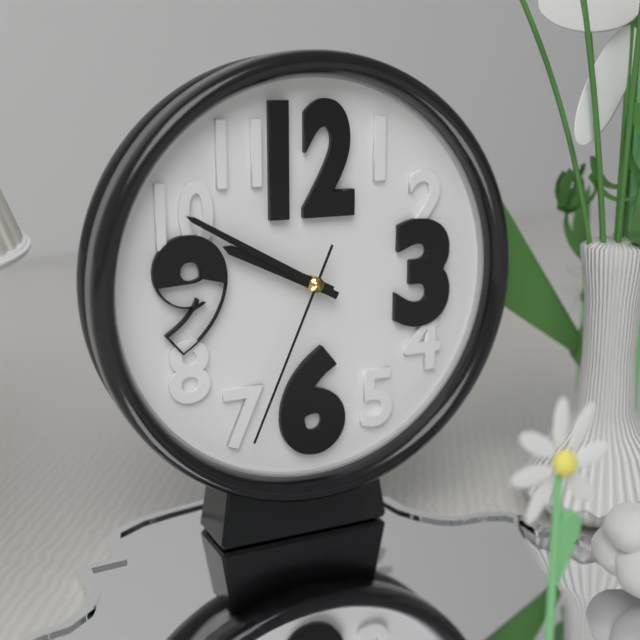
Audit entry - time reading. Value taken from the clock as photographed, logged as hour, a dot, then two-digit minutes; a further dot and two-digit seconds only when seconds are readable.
9.50.34
